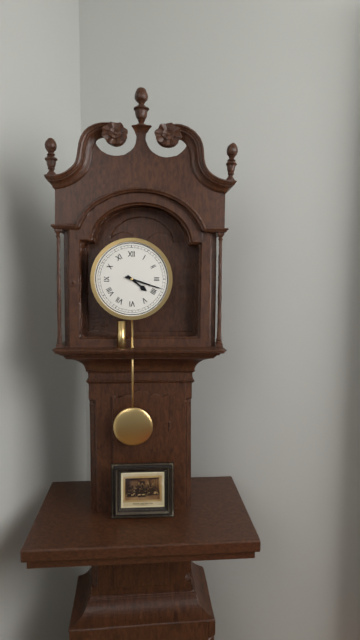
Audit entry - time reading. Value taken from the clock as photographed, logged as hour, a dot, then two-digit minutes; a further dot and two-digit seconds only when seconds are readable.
4.18
